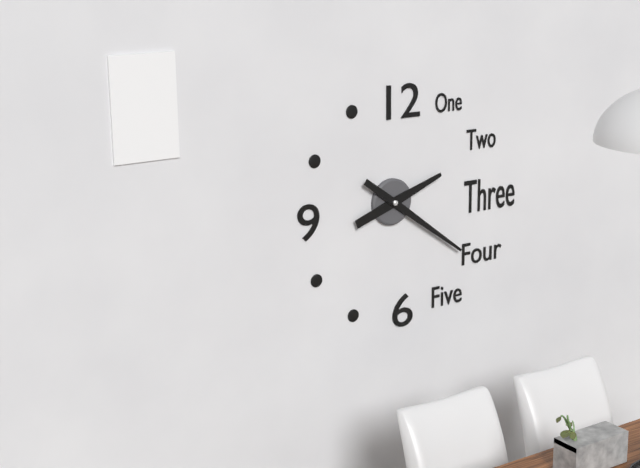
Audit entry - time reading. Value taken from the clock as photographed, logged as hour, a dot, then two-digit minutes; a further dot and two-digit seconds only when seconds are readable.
2.21
